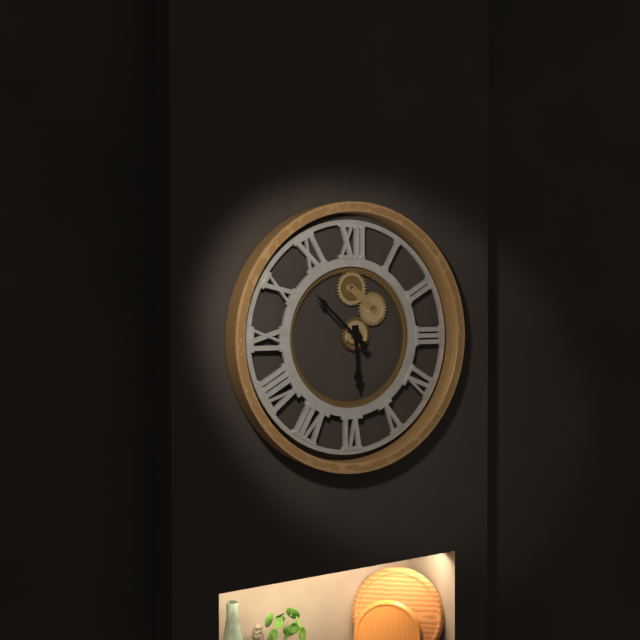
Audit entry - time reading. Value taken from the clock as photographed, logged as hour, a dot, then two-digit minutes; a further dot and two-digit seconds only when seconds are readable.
5.52
